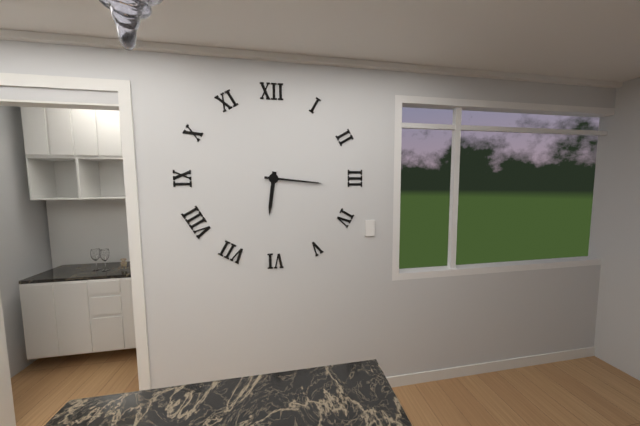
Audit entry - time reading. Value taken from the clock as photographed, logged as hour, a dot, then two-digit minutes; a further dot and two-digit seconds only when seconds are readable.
6.16
